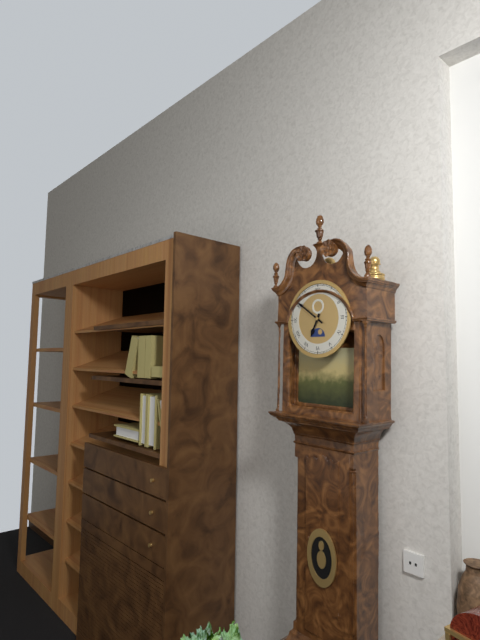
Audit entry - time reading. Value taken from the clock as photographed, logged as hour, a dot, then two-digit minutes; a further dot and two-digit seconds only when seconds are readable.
6.51
